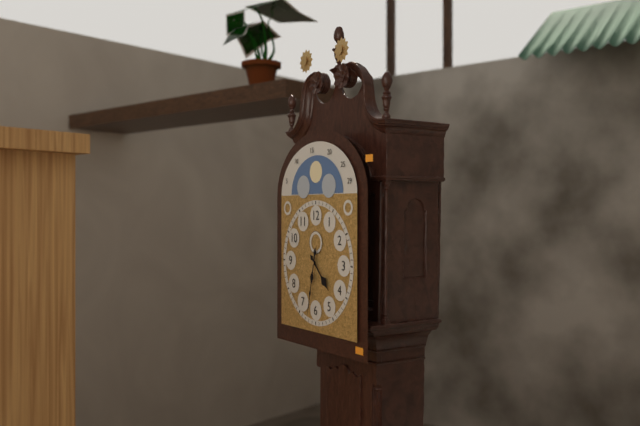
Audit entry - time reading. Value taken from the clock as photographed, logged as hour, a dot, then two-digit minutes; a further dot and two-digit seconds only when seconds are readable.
4.32
